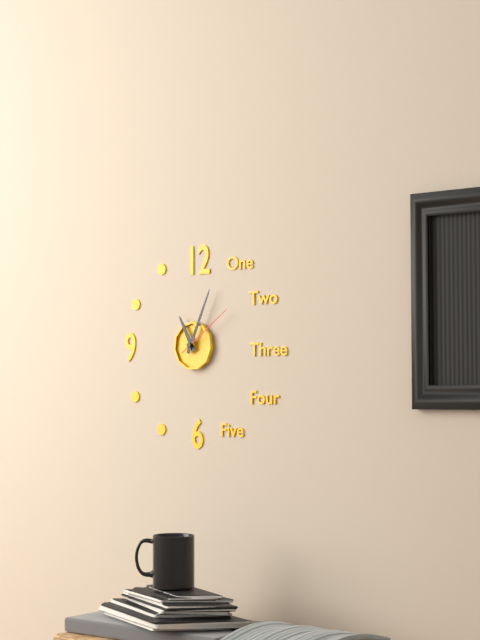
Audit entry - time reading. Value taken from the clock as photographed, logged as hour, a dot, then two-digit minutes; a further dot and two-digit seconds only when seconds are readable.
11.04.09
